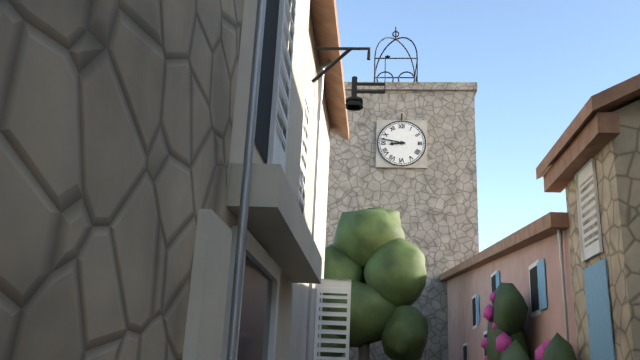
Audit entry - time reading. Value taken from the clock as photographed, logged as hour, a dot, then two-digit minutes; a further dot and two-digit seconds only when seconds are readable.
8.47
